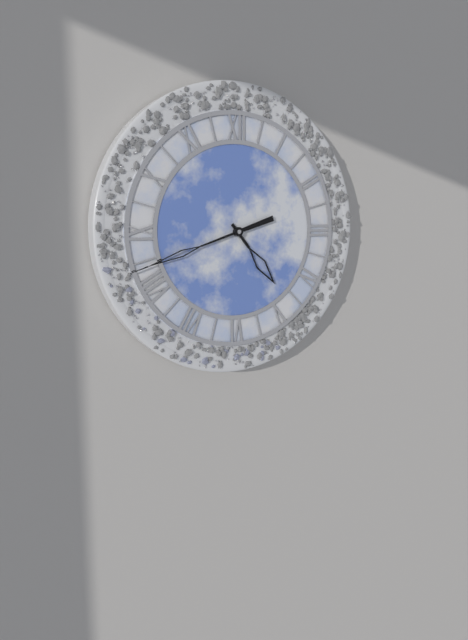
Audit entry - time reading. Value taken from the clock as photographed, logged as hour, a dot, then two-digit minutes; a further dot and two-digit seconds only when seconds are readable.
4.42
